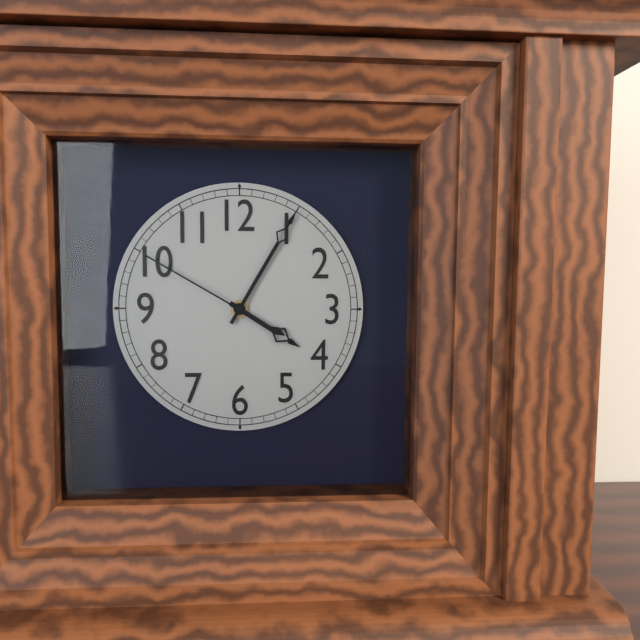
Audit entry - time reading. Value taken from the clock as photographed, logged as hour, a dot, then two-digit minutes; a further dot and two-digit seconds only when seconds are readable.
4.05.50
